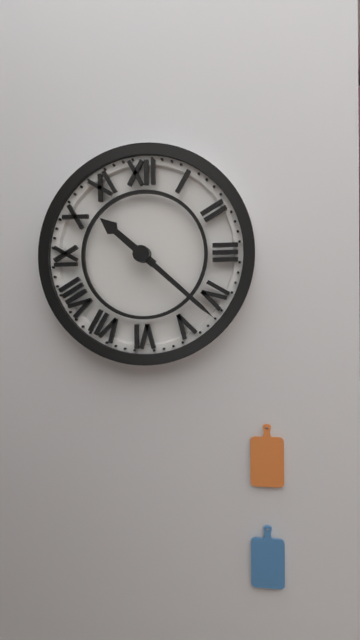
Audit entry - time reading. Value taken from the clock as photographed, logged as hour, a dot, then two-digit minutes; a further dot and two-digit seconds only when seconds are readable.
10.22
